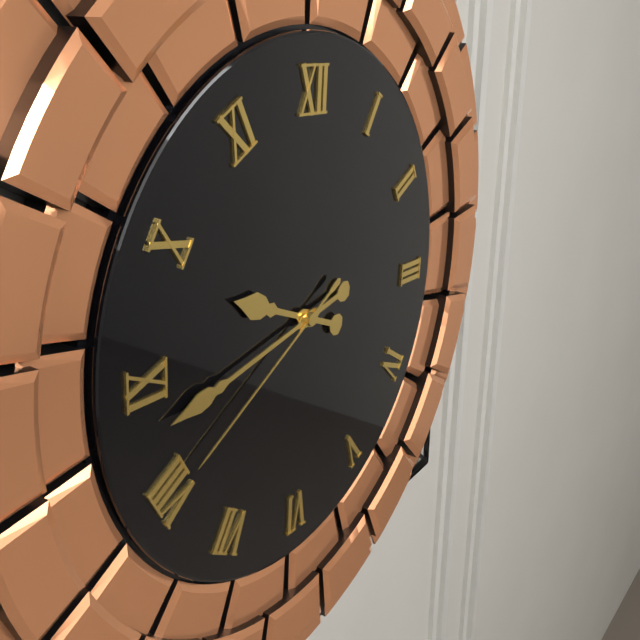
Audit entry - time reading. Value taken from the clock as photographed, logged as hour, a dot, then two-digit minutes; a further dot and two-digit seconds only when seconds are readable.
9.43.40
